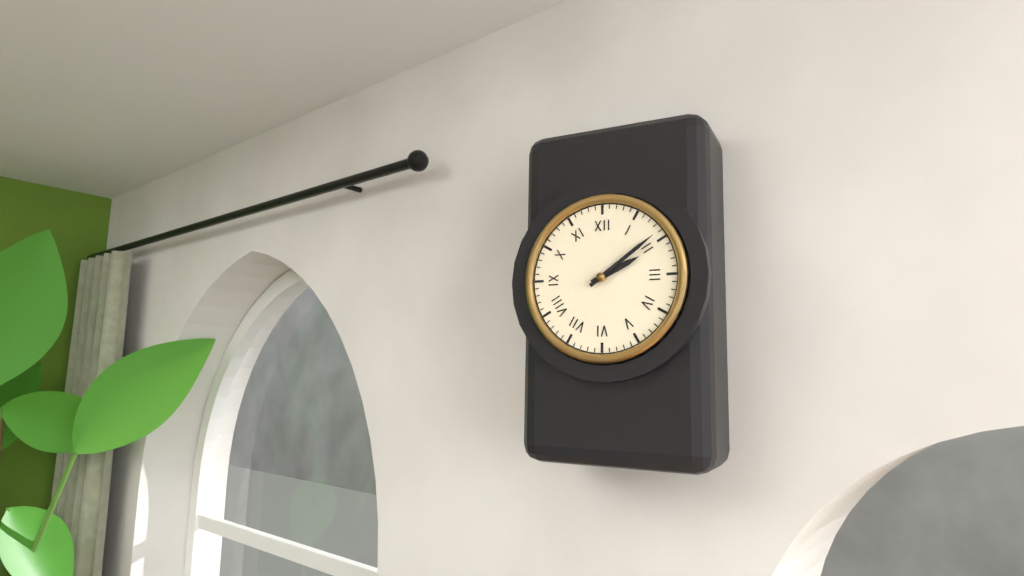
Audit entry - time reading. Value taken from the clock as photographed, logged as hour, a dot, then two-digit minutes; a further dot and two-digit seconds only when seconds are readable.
2.09
